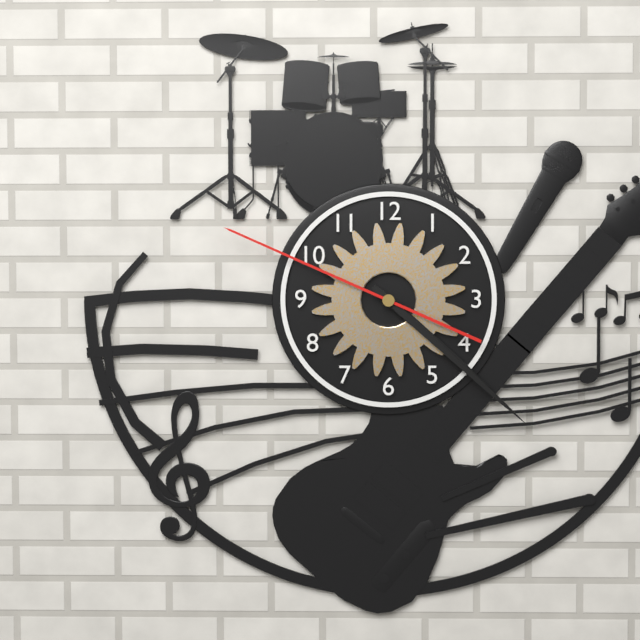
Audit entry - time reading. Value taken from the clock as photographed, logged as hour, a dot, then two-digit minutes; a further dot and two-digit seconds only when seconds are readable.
4.22.49
